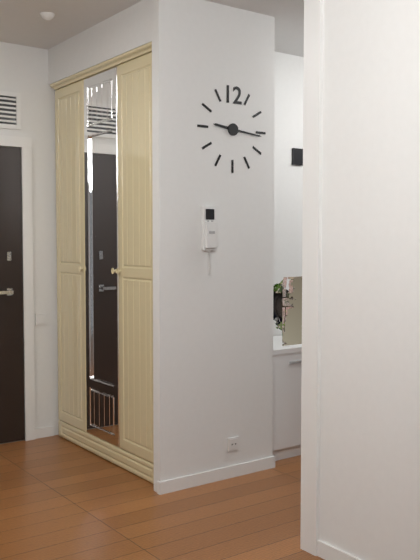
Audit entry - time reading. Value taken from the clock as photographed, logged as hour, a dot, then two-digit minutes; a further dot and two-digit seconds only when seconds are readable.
9.16
